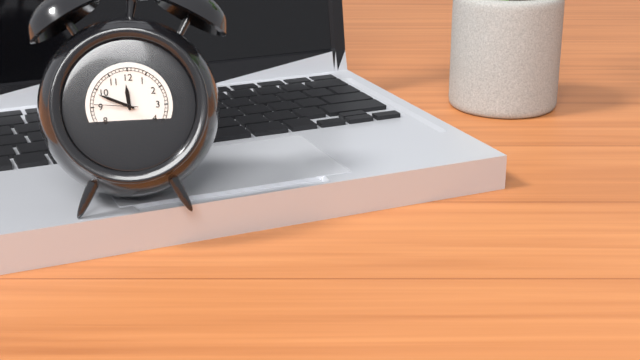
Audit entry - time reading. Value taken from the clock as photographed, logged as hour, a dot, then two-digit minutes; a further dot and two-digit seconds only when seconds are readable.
11.49
